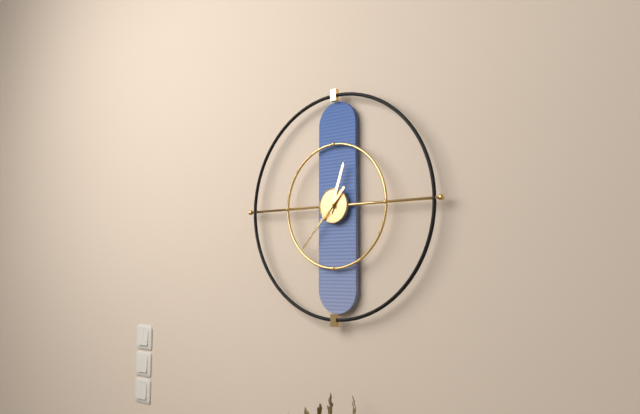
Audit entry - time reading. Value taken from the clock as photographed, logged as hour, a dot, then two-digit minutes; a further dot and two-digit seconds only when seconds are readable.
12.37
